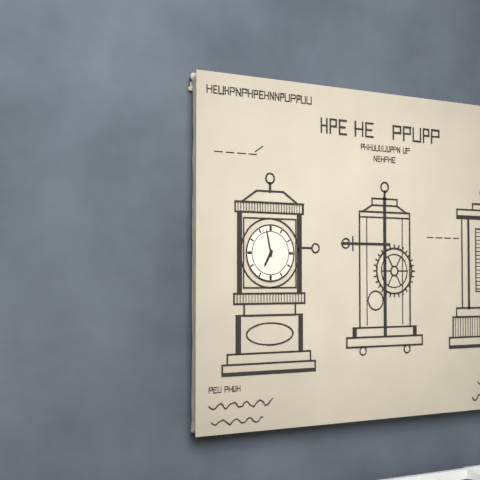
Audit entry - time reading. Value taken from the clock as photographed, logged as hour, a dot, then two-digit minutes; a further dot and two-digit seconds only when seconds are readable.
6.58
